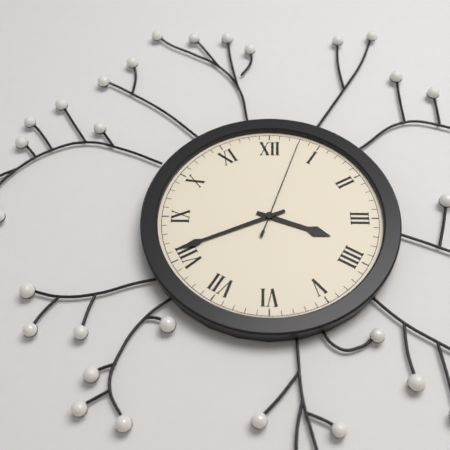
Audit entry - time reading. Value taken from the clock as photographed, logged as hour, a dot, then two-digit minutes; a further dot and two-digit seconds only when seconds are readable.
3.41.03
